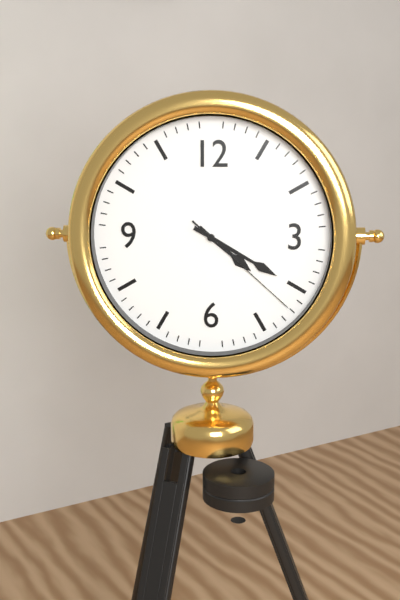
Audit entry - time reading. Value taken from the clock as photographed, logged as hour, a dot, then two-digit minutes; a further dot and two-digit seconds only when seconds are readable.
4.20.22
